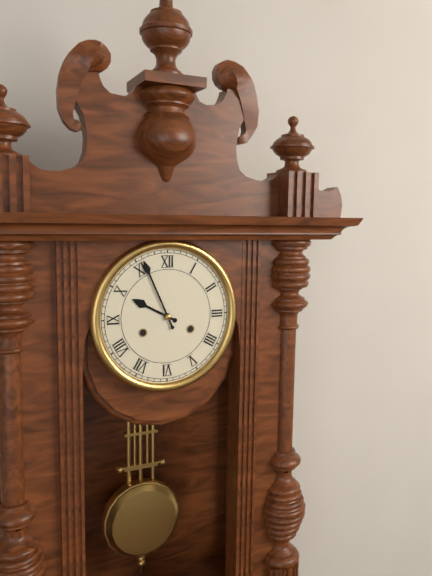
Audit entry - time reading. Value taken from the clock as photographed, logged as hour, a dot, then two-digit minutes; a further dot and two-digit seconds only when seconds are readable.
9.56
